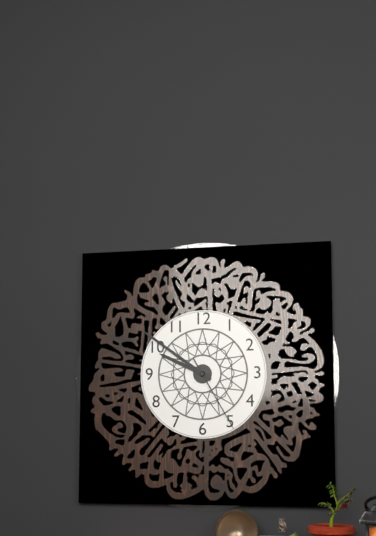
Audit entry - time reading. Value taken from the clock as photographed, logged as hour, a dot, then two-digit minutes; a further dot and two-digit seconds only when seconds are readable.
9.51.25
